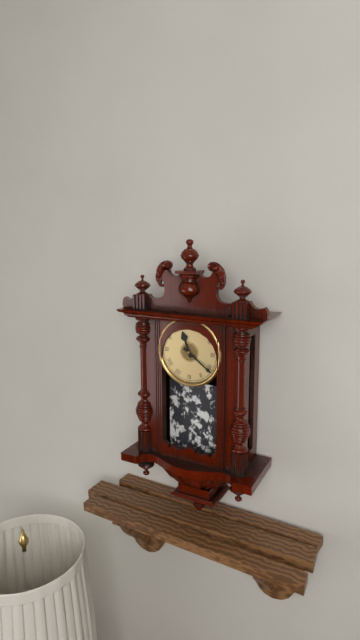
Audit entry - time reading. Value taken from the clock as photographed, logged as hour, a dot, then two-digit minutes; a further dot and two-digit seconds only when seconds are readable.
11.21
